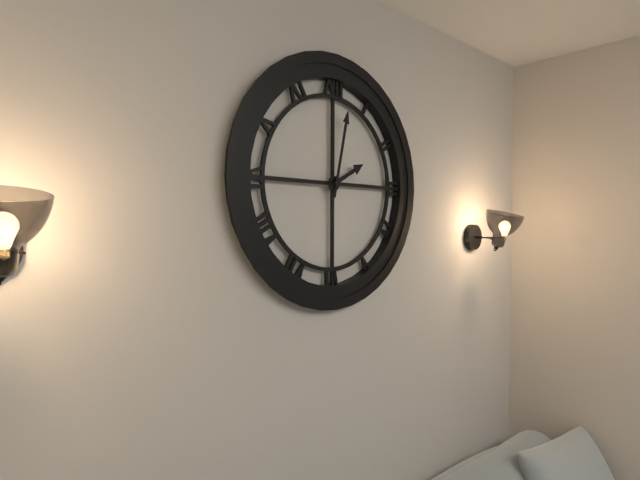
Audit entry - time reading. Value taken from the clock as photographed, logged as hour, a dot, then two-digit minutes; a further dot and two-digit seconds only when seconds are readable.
2.02
